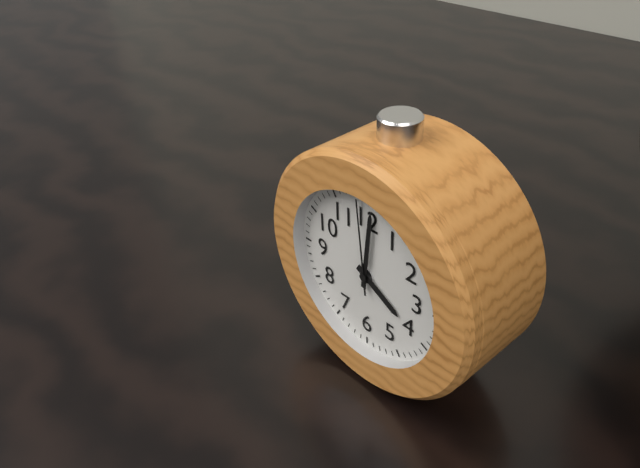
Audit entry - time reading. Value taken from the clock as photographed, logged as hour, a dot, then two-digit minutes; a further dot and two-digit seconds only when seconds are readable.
4.01.59
